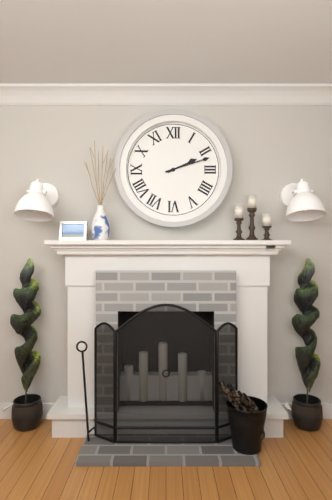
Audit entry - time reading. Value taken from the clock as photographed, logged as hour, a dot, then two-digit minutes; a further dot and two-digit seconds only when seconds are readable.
2.12
